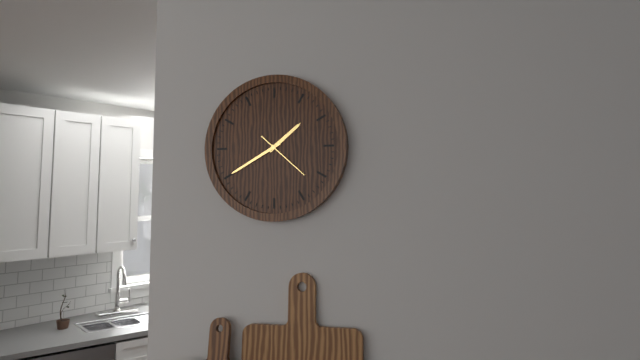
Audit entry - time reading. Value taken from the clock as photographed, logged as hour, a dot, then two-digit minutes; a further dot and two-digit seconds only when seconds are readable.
1.40.22
